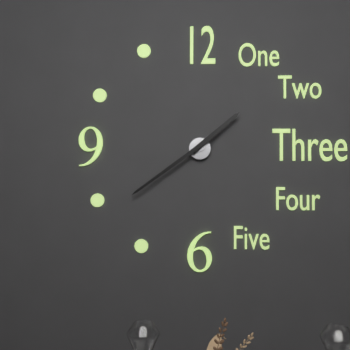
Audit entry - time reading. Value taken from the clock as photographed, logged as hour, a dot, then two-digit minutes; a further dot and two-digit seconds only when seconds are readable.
1.39
